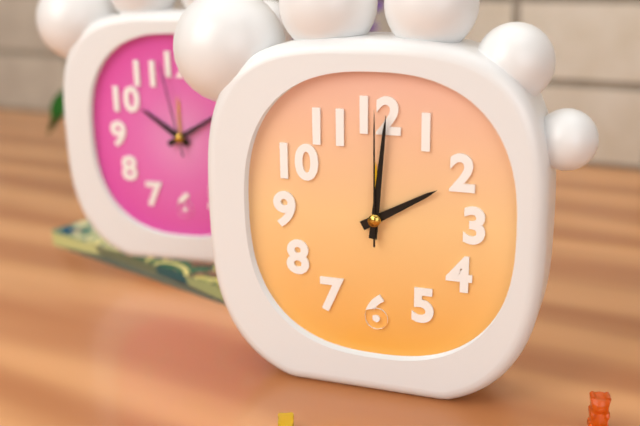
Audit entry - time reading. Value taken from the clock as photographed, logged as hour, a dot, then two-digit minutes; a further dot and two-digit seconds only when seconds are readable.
2.01.00
